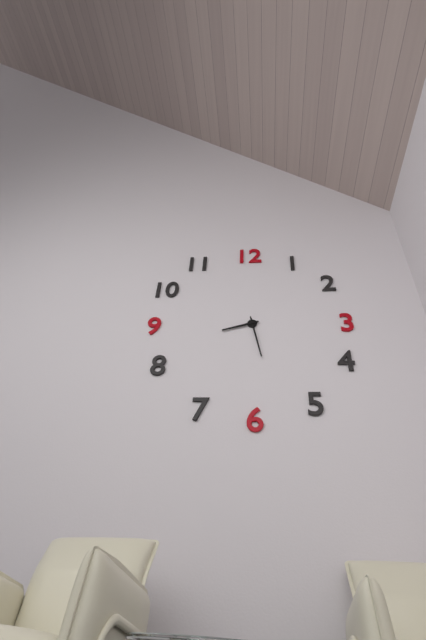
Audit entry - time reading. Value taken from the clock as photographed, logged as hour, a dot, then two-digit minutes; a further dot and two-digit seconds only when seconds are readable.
8.28
